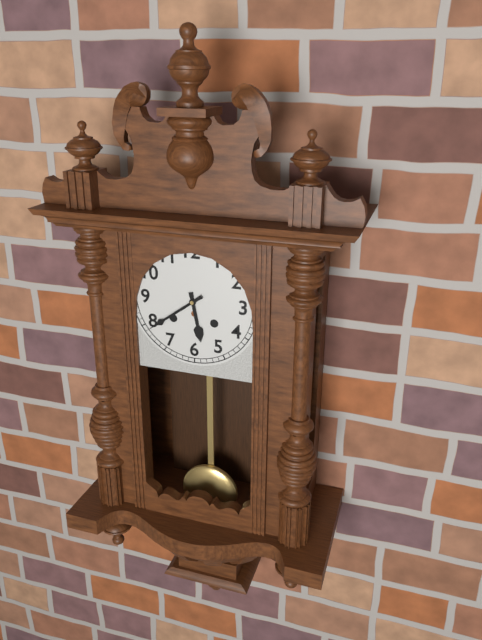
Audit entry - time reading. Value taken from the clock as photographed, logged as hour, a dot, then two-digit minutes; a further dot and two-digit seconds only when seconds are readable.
5.39
